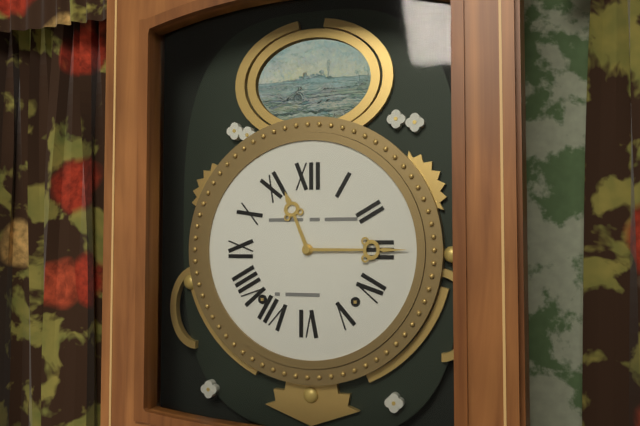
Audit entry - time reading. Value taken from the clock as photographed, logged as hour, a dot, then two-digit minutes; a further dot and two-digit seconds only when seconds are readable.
11.15
